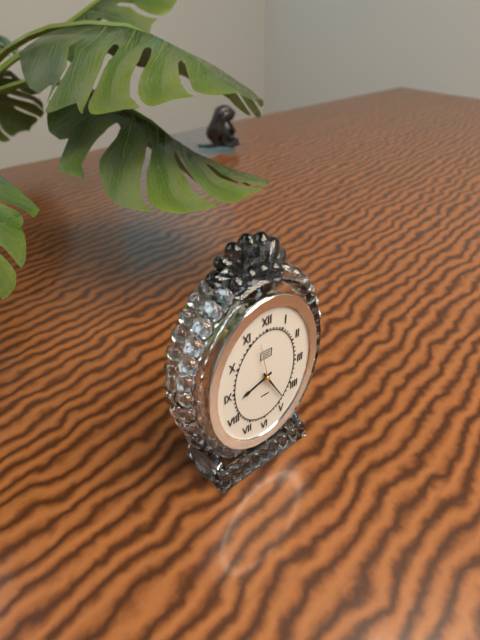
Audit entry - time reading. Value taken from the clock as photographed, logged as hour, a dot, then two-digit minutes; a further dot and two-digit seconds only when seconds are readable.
8.25
